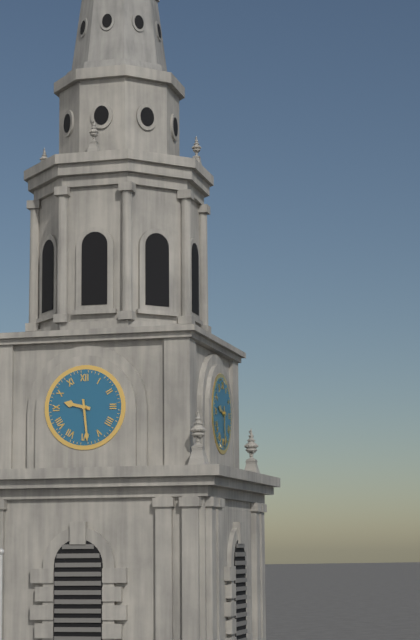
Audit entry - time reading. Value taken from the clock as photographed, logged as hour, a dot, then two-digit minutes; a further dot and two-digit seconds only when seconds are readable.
9.29
